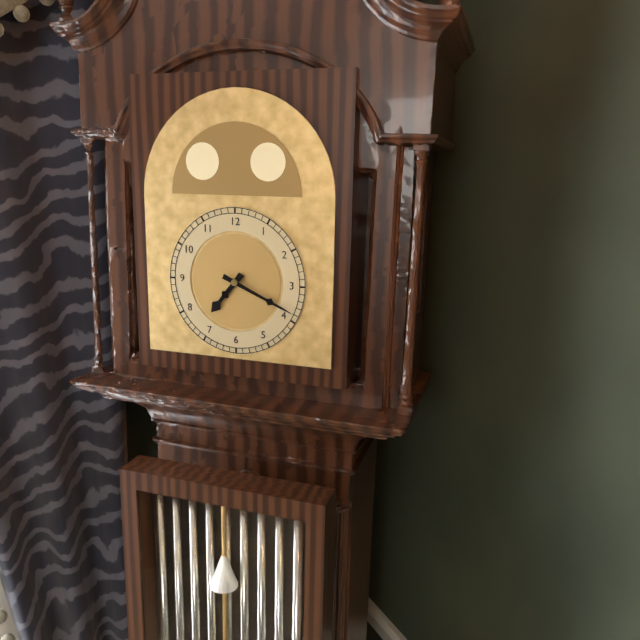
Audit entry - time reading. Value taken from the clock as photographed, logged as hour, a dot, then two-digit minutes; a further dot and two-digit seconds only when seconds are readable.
7.19
